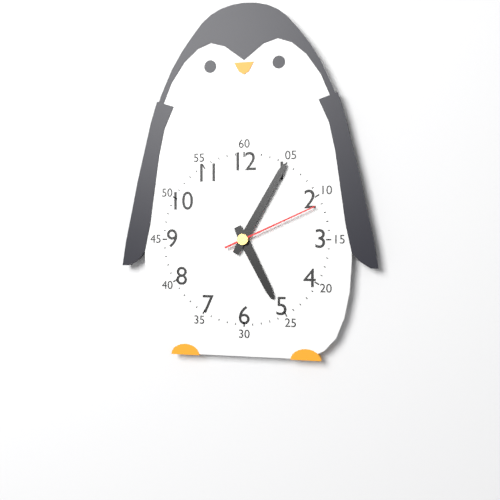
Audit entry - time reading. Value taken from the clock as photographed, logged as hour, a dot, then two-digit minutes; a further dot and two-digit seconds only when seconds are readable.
5.05.11
